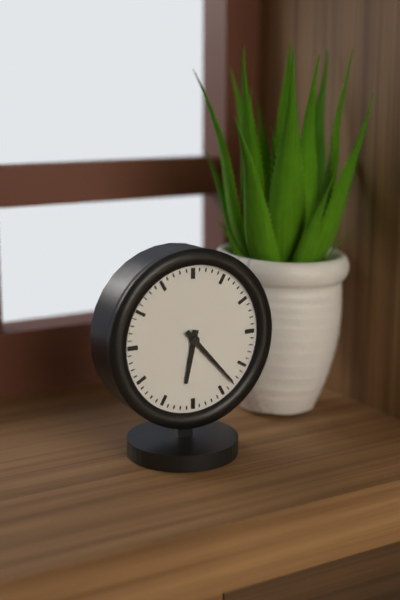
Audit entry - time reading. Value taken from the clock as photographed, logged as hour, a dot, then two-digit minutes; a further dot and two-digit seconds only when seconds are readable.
6.23
